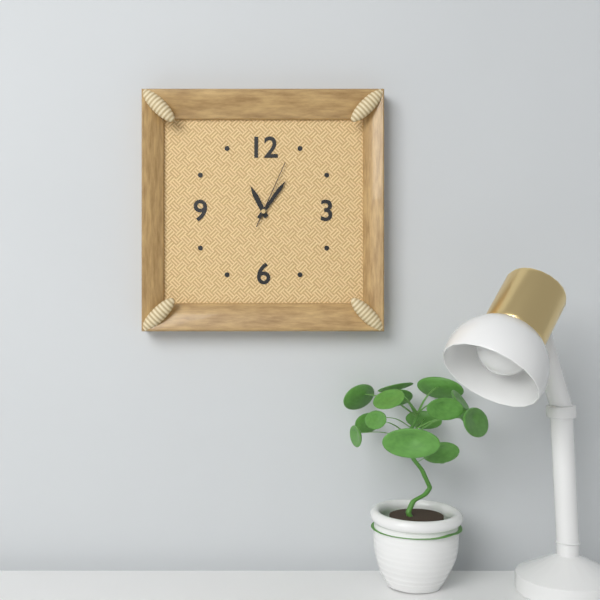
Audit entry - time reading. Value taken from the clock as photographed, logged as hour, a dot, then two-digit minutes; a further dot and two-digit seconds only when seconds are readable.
11.06.04
